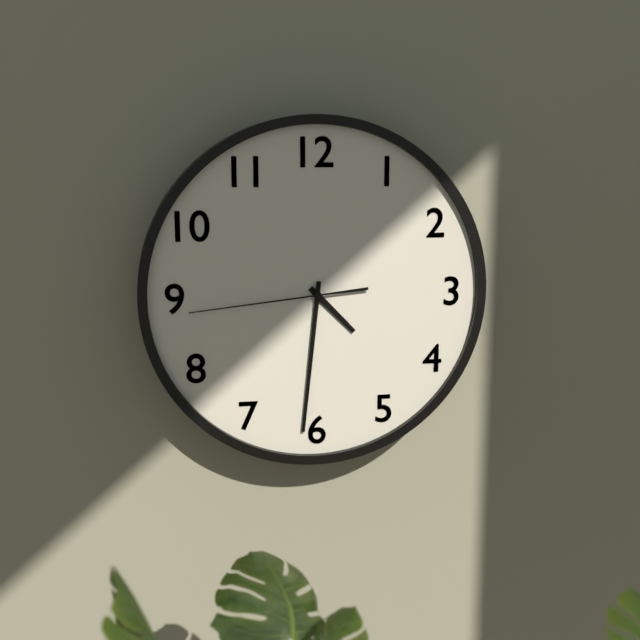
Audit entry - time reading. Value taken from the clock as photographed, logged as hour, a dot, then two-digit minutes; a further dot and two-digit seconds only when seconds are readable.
4.31.44
